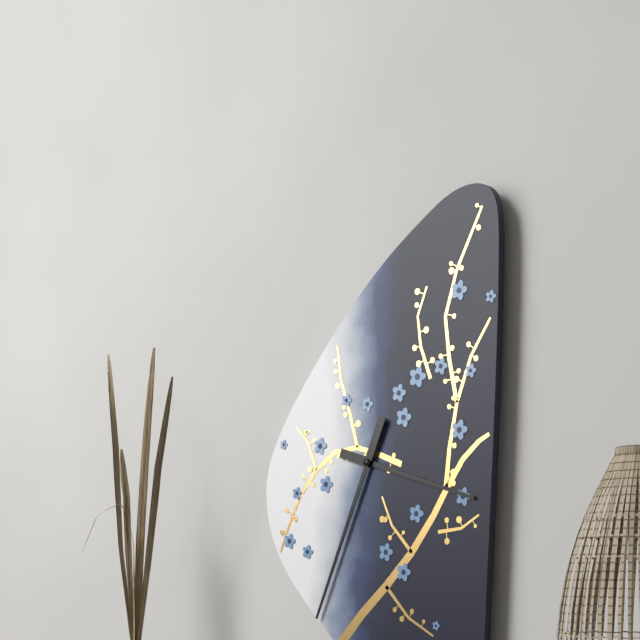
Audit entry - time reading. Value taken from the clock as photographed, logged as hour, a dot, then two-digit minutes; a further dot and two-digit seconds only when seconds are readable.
3.34
